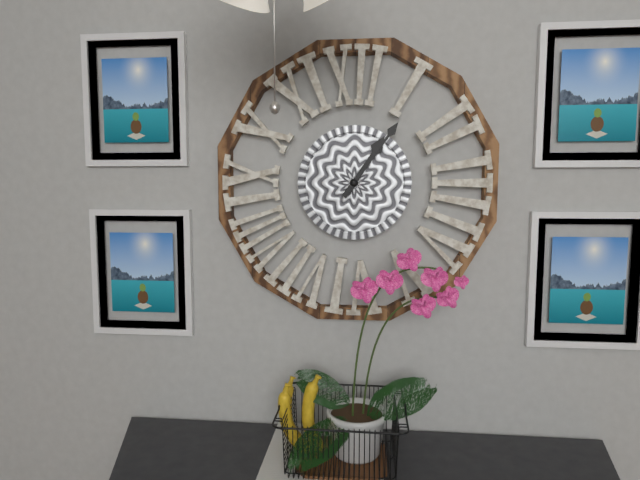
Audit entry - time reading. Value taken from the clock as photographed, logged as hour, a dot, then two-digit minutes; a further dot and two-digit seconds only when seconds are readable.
1.06
